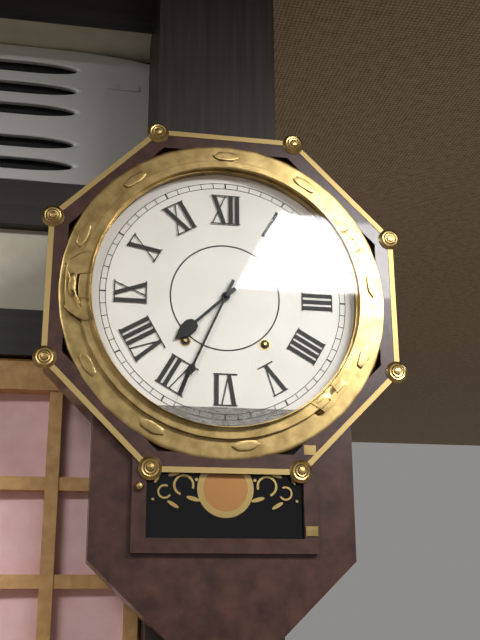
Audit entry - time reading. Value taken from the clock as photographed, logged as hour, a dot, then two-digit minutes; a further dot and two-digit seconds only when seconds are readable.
7.34
